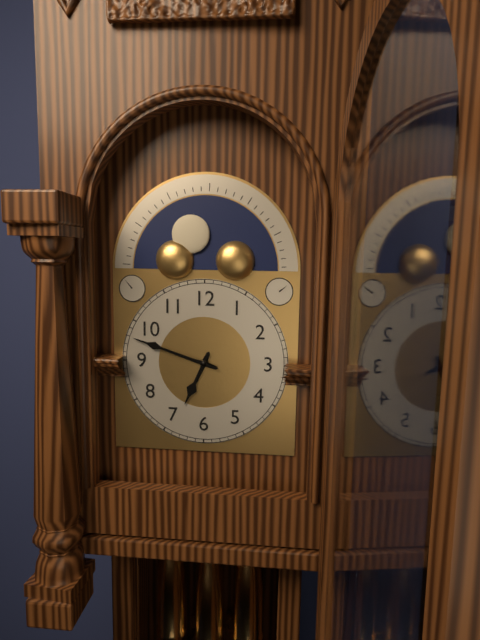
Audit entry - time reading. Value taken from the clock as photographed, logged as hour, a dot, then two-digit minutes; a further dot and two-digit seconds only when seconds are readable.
6.48
